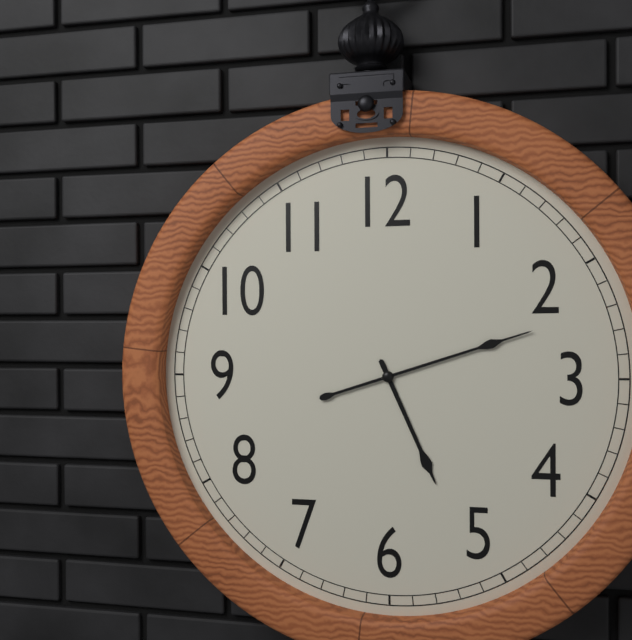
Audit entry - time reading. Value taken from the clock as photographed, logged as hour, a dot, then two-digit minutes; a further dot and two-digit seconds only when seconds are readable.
5.12
